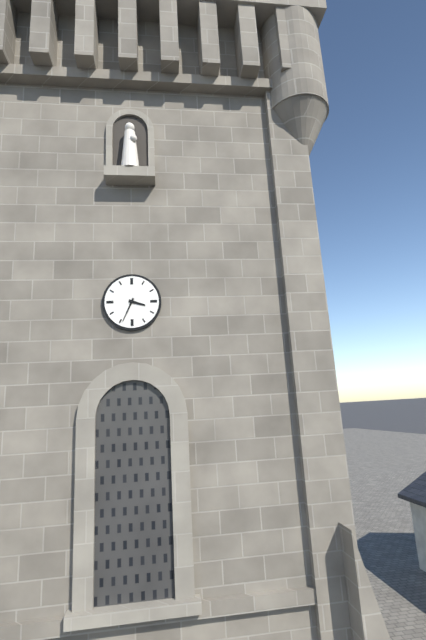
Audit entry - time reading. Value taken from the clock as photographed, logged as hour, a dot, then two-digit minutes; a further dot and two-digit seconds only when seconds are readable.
3.34
